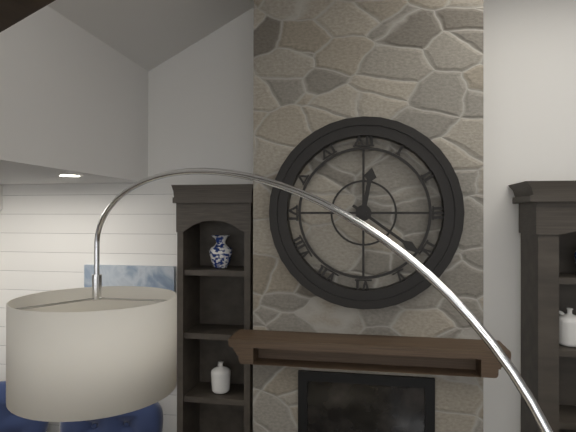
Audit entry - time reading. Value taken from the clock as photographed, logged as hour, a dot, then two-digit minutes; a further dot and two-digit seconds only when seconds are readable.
12.21
